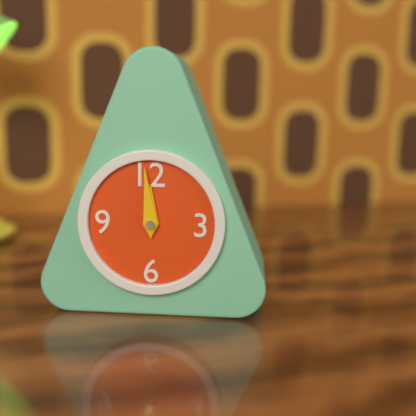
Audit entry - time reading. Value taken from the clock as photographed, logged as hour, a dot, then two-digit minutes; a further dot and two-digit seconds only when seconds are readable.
11.59
